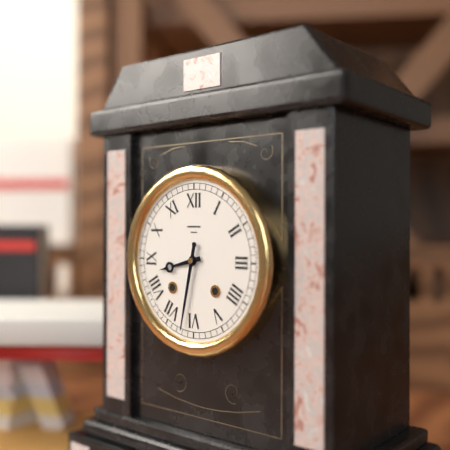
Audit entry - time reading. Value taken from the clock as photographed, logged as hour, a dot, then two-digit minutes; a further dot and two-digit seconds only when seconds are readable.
8.32
